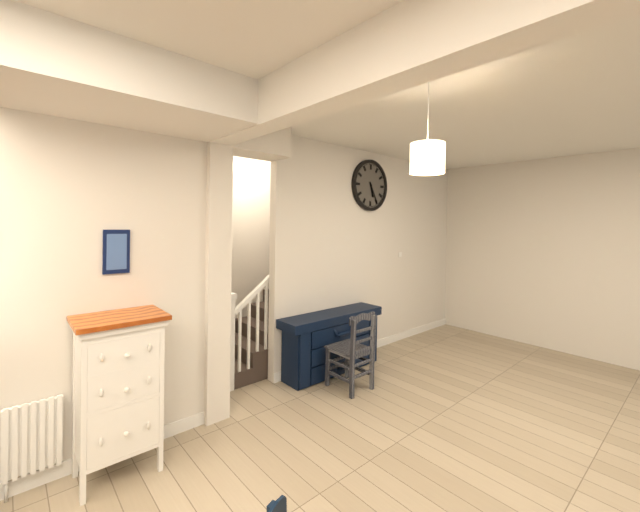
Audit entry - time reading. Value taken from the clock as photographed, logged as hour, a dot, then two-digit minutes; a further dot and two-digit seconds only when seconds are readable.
5.25
